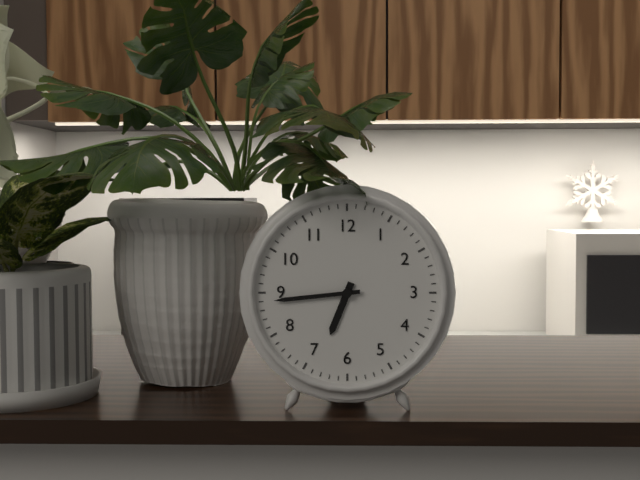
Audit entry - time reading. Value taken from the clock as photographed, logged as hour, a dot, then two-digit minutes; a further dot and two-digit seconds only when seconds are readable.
6.44
